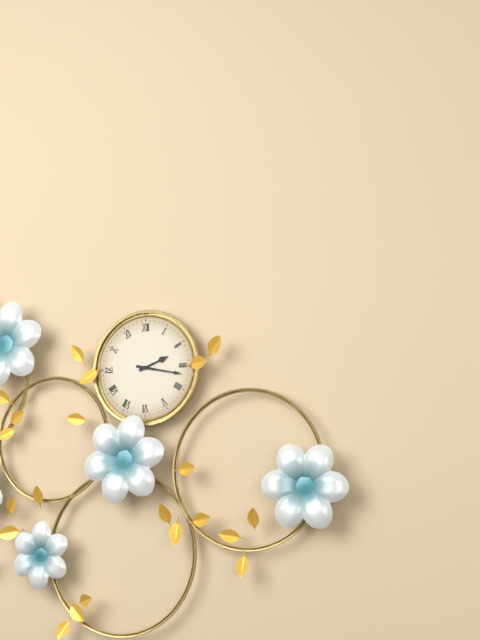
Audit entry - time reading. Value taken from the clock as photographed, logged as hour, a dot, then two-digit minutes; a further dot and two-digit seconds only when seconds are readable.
2.17
